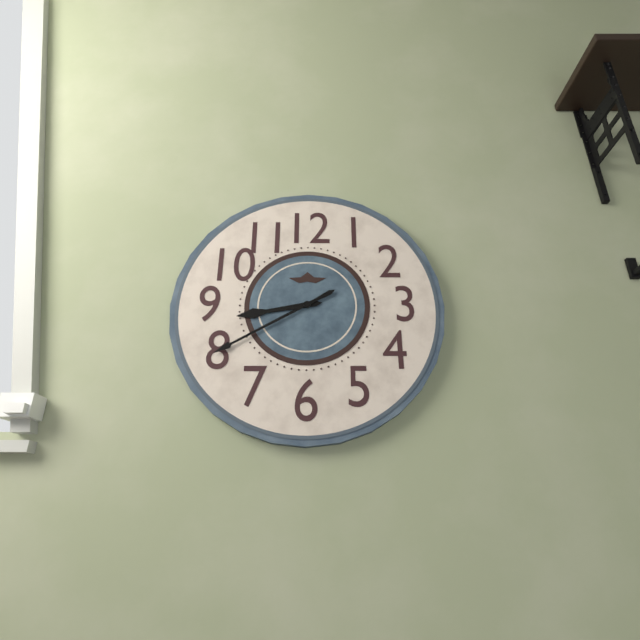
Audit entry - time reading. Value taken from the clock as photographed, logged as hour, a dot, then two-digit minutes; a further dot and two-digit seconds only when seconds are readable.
8.40
